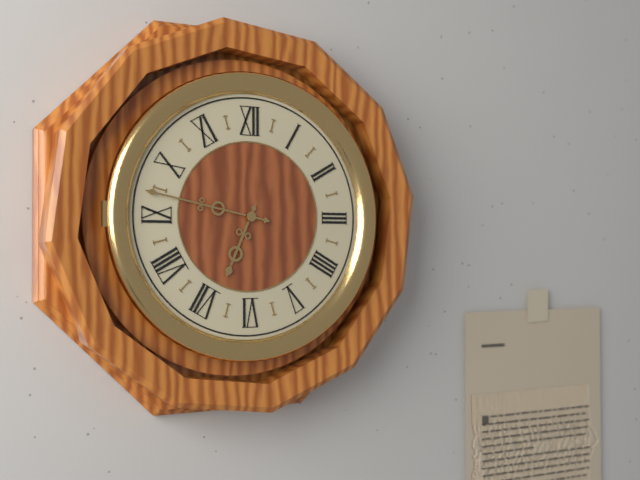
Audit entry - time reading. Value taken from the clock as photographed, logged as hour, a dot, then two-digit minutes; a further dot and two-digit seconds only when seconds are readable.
6.47
